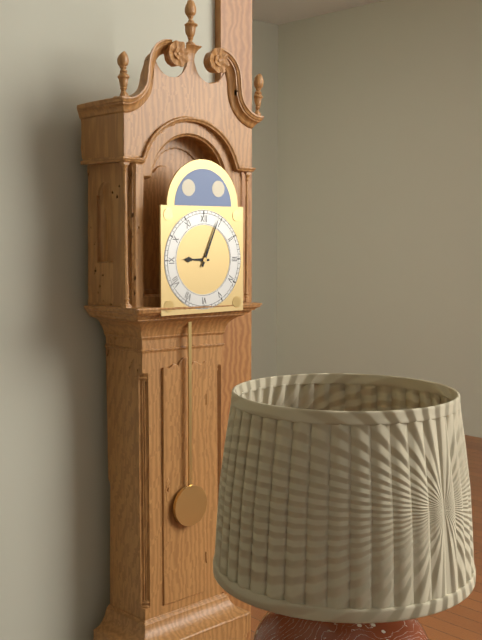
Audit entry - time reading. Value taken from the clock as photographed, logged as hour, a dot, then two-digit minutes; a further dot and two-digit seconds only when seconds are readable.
9.04
